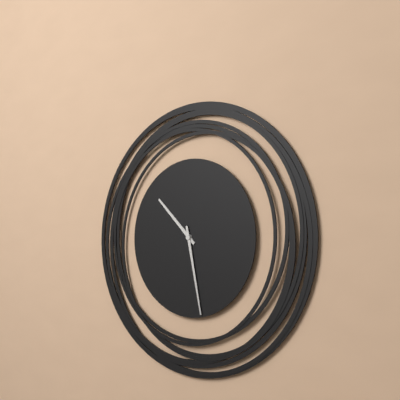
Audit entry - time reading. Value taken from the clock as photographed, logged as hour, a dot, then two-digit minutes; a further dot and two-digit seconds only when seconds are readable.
10.28
